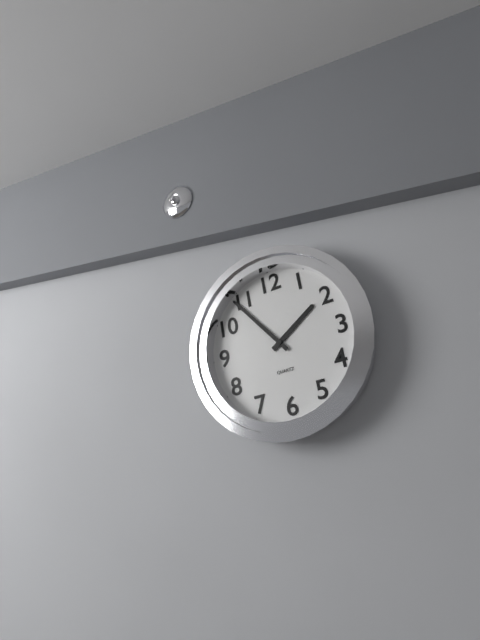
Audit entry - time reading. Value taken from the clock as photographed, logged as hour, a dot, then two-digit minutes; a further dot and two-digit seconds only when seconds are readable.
1.54
